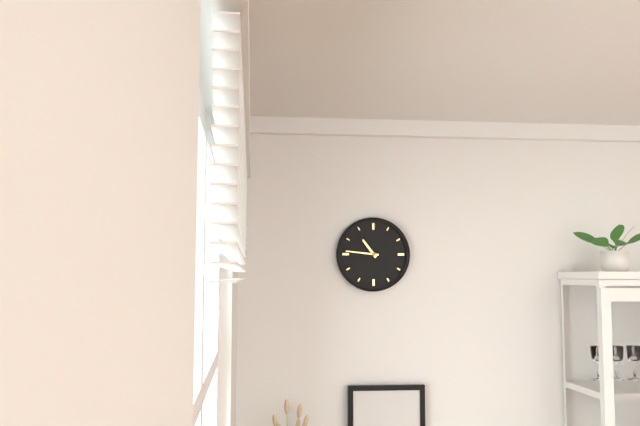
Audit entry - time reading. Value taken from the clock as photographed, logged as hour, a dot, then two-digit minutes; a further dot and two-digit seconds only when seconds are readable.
10.46
